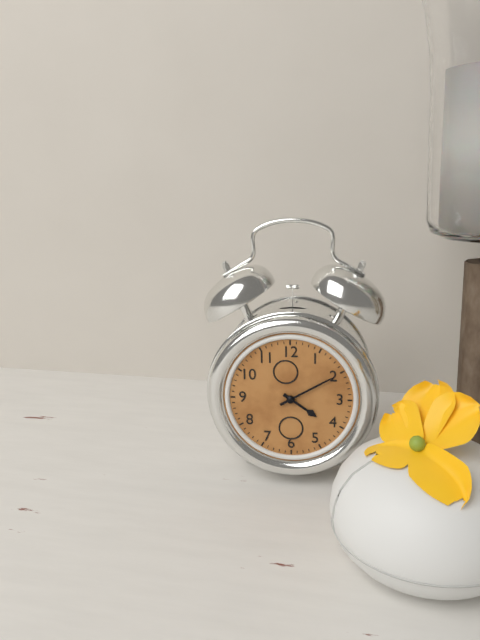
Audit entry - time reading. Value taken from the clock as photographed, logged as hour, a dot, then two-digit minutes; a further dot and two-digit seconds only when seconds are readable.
4.10
